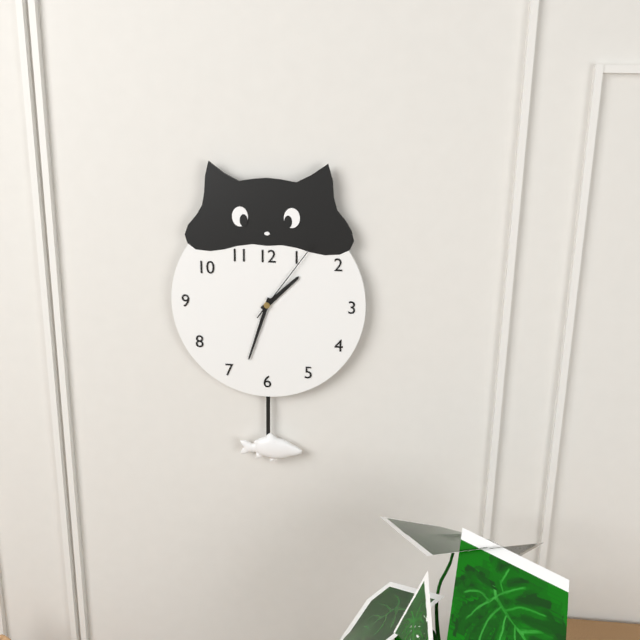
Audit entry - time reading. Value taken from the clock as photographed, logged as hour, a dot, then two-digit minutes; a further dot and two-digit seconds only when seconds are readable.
1.33.06
